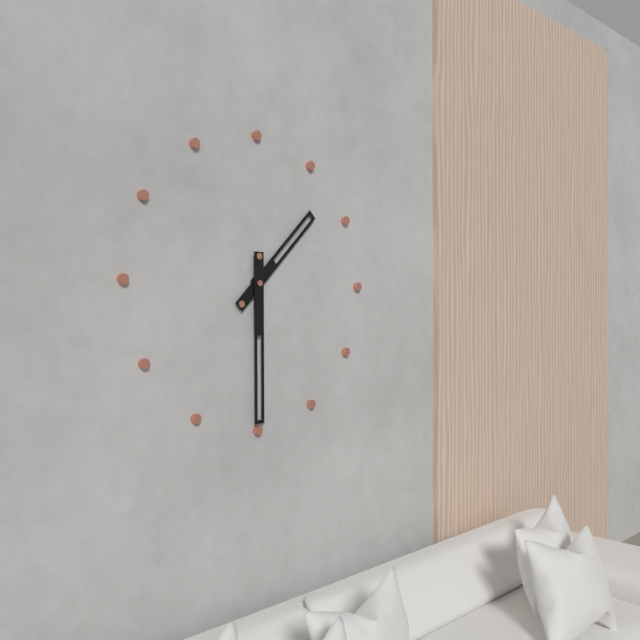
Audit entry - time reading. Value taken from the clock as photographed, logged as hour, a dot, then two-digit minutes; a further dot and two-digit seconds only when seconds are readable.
1.30
